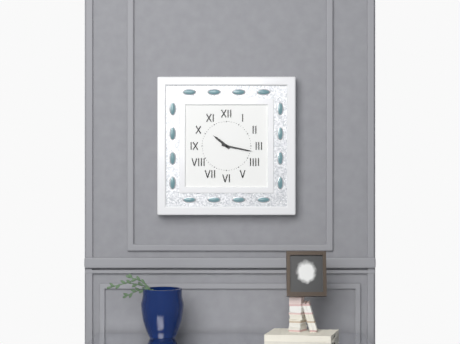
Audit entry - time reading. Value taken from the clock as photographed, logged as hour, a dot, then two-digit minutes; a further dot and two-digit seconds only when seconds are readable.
10.17
